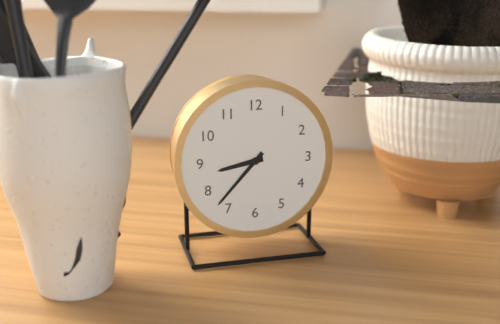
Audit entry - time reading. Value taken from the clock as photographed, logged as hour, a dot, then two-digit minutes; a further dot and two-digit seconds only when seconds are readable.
8.37
